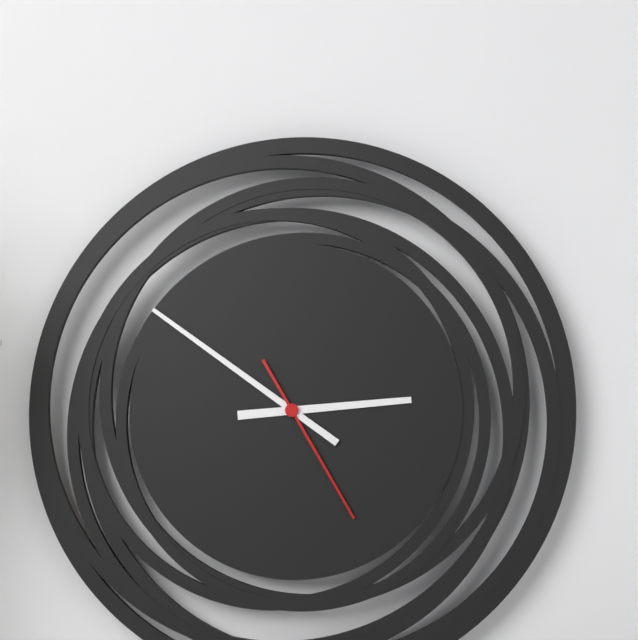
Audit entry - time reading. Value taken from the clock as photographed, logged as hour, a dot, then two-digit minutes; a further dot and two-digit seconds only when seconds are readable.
2.51.25
